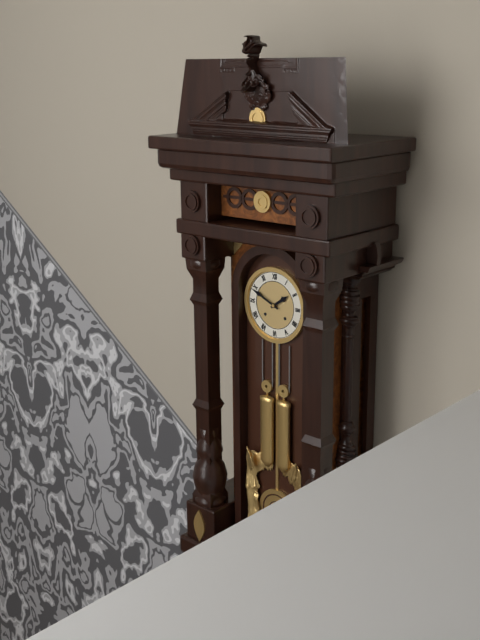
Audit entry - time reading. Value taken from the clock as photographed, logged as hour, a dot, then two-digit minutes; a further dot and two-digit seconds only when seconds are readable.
1.49
